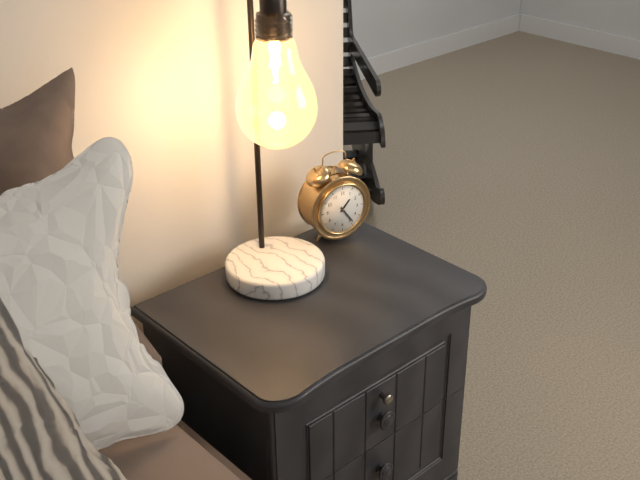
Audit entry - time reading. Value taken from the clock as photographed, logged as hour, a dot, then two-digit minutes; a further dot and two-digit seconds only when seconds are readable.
1.24
